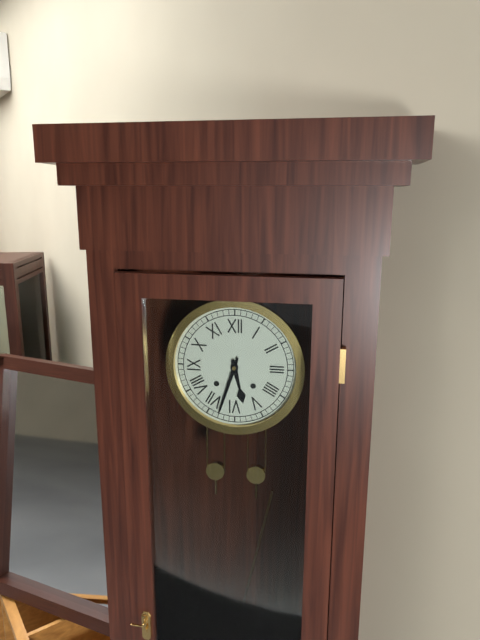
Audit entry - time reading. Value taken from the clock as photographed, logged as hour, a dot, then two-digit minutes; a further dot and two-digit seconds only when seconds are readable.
5.33
